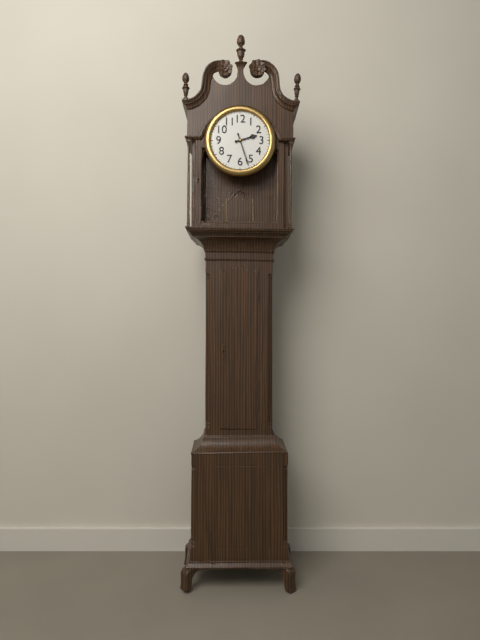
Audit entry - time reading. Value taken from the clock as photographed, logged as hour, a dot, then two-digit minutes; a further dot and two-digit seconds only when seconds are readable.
2.27
